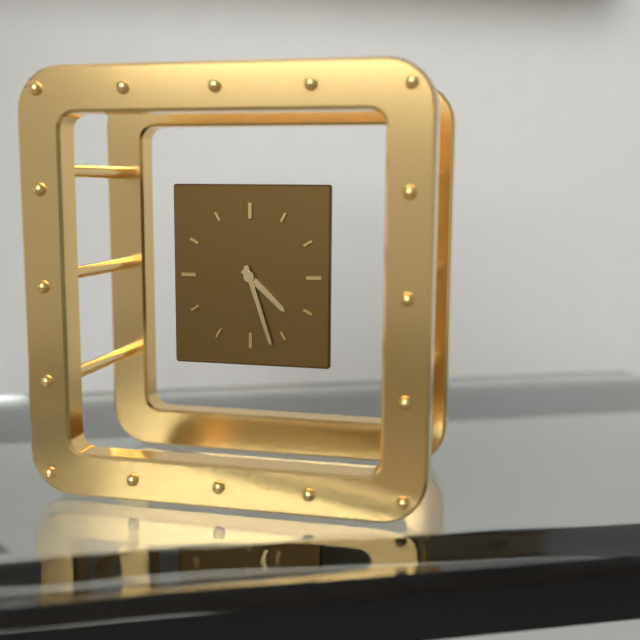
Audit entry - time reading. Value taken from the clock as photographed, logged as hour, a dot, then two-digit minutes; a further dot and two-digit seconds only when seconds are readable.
4.27
